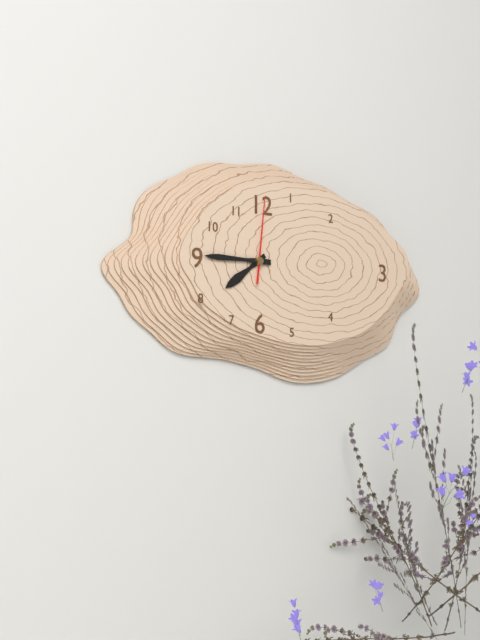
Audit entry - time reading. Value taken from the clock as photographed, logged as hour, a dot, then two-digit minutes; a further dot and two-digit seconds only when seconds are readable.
7.45.01
